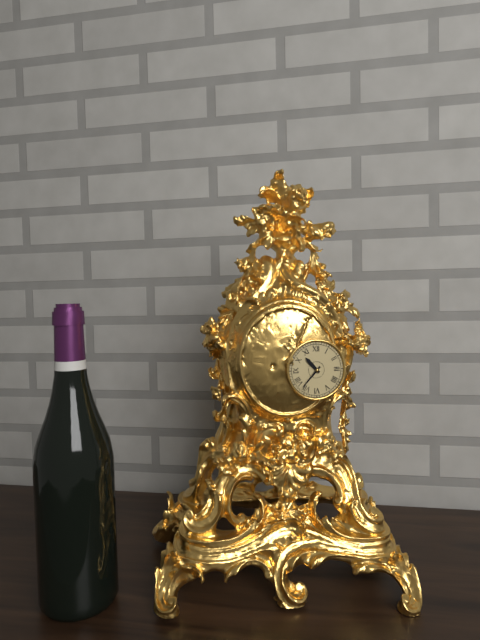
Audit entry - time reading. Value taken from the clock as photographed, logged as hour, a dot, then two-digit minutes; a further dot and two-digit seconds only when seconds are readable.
10.37
